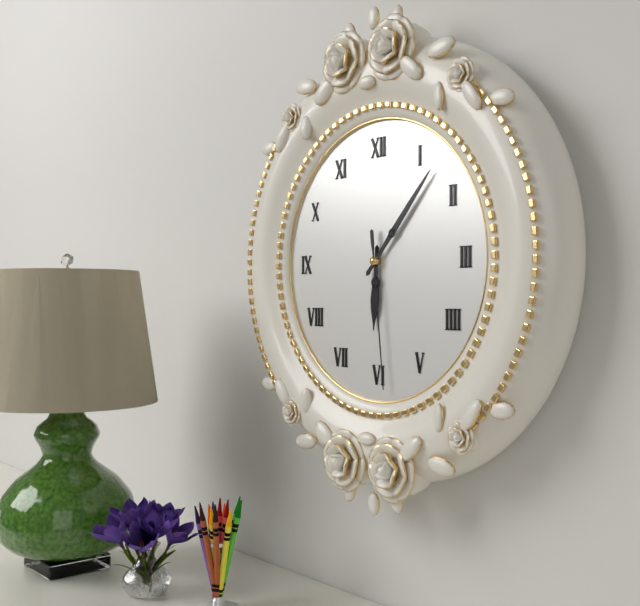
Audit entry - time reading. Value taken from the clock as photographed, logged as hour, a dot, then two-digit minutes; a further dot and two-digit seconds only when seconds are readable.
6.07.29
